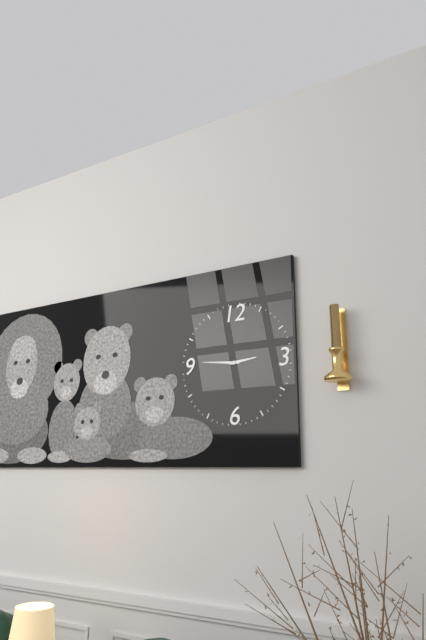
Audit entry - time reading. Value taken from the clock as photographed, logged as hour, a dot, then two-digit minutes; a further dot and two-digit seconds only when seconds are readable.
2.46
